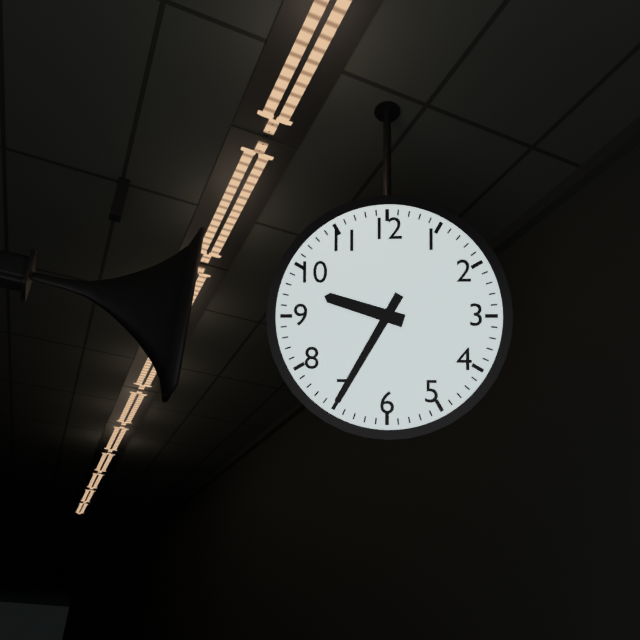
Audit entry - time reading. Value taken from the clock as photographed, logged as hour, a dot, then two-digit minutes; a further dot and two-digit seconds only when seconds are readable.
9.35
